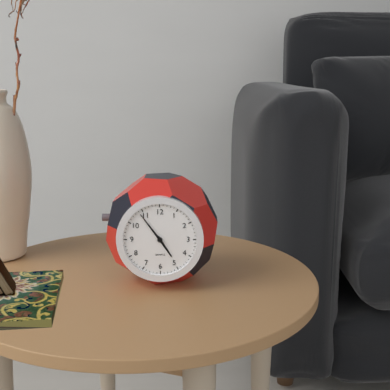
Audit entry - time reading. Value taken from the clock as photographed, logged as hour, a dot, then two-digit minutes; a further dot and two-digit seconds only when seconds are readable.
4.54
